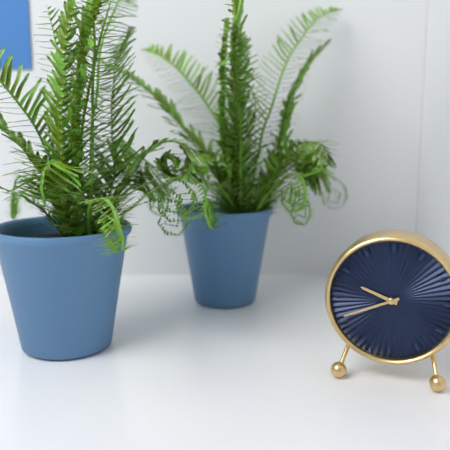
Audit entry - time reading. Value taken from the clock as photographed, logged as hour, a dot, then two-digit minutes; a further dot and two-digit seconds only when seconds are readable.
9.41
